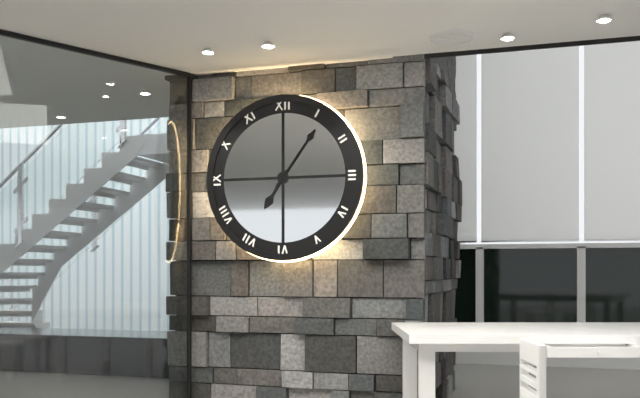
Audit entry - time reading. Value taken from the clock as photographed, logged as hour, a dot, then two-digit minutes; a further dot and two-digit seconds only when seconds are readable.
7.06
